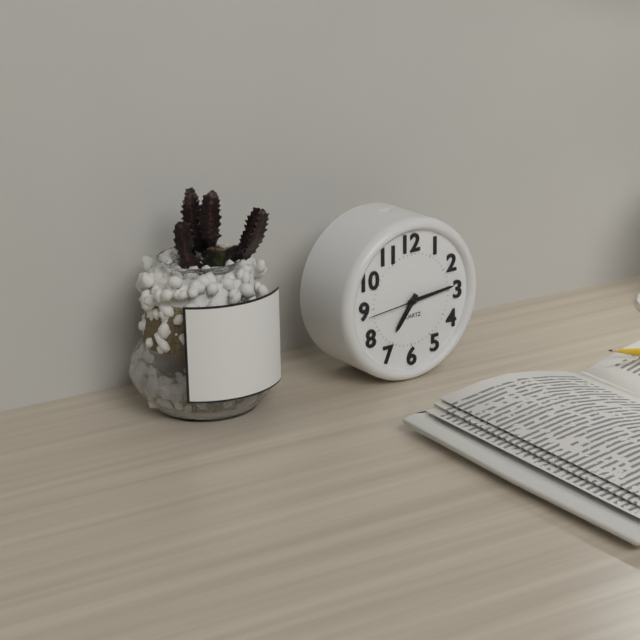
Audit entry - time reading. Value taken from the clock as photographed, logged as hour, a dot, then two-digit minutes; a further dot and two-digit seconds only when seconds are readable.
7.14.44
